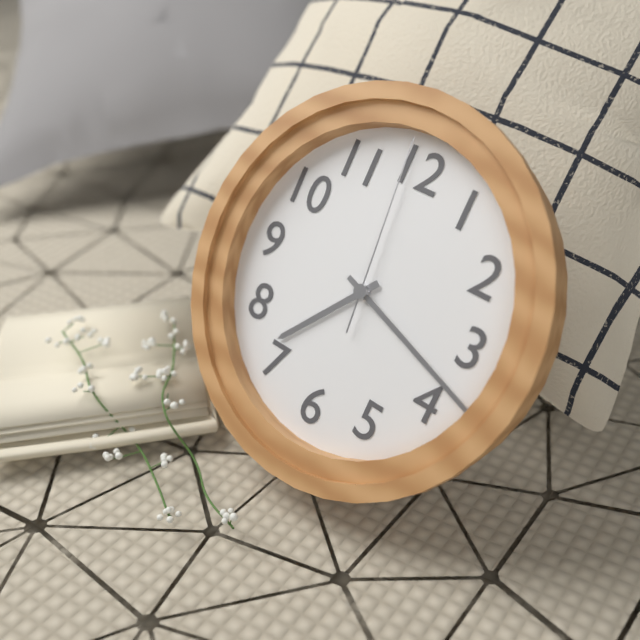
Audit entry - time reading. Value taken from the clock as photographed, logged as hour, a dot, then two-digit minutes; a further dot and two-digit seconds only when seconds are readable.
7.18.59
